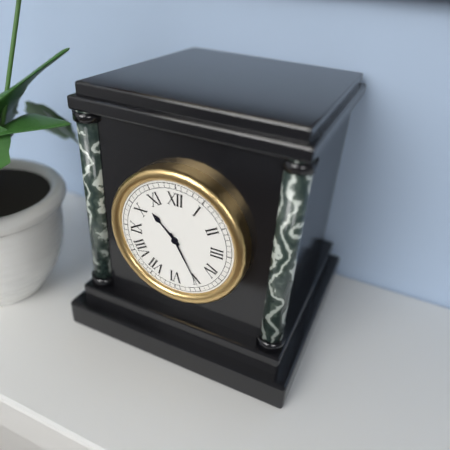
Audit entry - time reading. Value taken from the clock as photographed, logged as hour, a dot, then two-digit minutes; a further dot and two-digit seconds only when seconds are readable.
10.25
